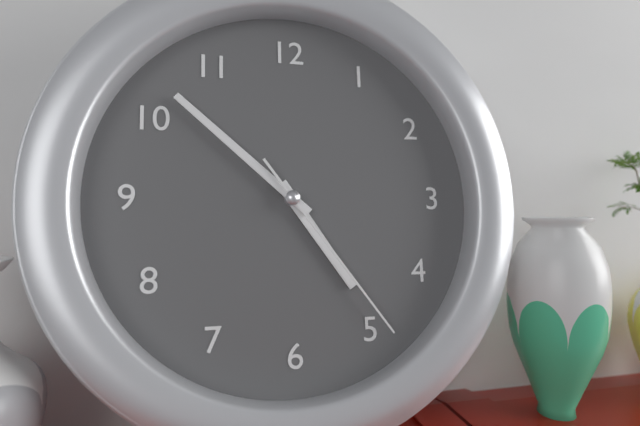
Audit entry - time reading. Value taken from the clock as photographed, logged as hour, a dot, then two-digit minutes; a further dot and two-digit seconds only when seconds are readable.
4.52.24
